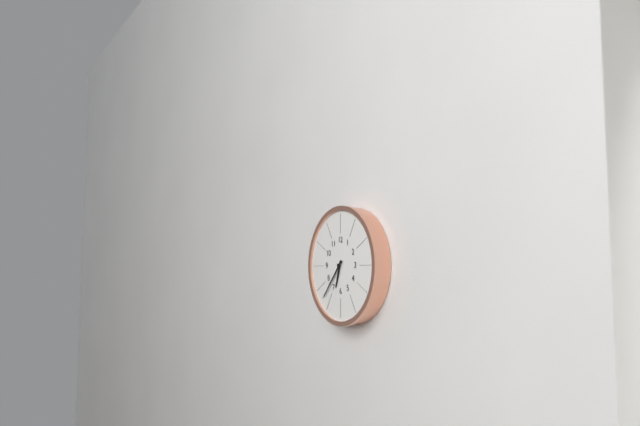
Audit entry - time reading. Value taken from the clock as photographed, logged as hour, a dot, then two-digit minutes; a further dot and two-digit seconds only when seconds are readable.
6.37
